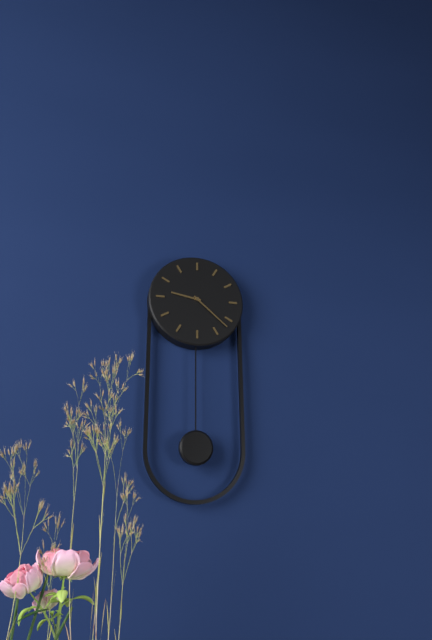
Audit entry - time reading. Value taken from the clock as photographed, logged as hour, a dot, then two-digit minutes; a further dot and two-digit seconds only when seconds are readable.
9.22
